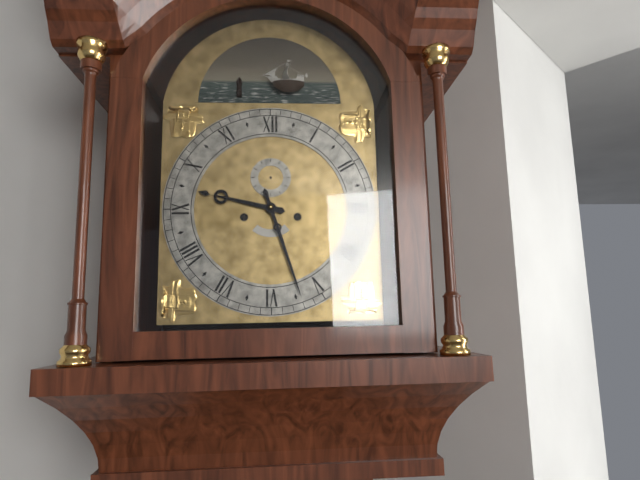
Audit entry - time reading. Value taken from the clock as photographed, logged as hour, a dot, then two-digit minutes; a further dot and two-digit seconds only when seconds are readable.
9.27
